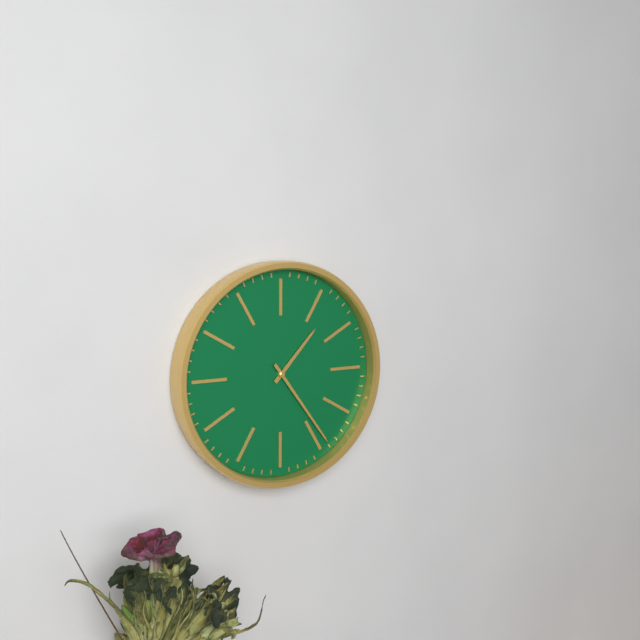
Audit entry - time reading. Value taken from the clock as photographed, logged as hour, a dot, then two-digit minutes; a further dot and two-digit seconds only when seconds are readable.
1.24
